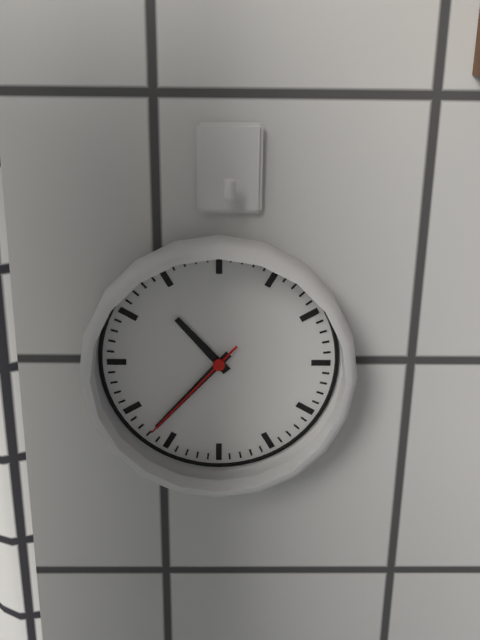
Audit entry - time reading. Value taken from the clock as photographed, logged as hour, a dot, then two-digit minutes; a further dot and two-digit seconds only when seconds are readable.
10.37.37
